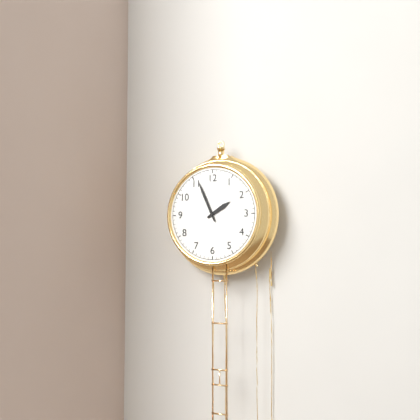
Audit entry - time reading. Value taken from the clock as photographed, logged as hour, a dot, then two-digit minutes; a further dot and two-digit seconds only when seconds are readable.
1.56
